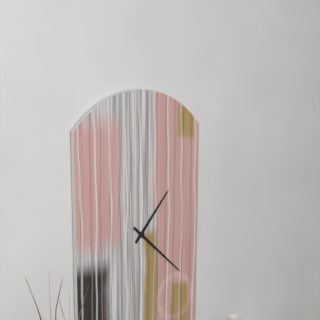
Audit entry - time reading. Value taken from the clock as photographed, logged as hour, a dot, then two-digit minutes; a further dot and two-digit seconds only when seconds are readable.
1.22
